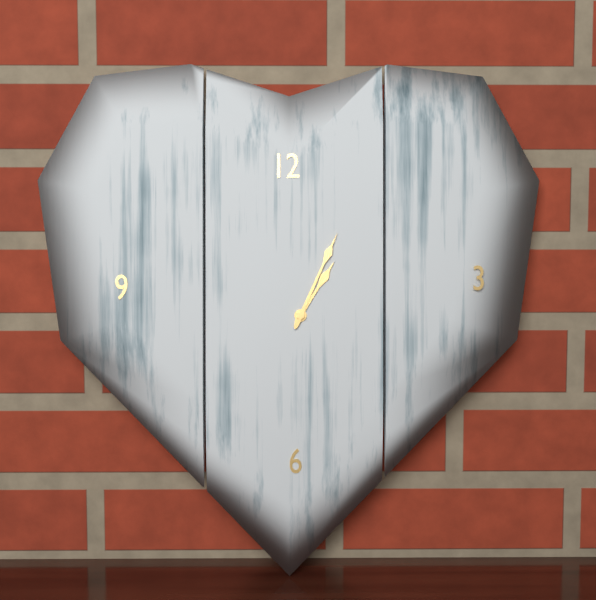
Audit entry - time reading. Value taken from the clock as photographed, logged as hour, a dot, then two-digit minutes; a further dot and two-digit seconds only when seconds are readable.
1.04
